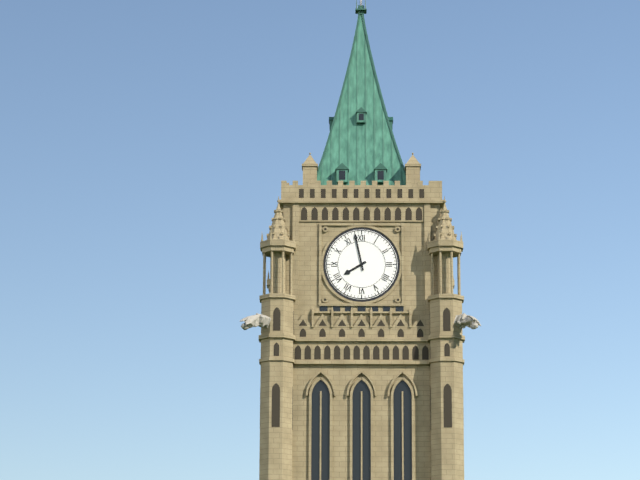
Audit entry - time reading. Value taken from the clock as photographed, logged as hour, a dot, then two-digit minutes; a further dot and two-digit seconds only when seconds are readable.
7.58
